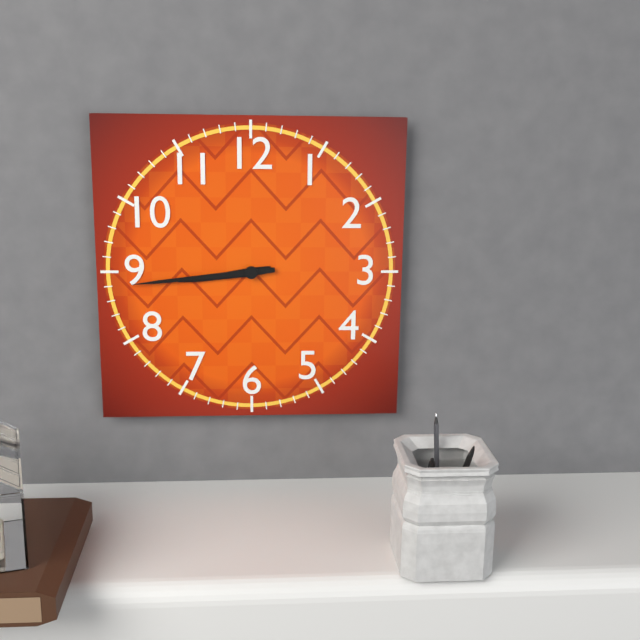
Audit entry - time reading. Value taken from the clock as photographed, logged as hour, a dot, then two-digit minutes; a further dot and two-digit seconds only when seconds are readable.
8.44
